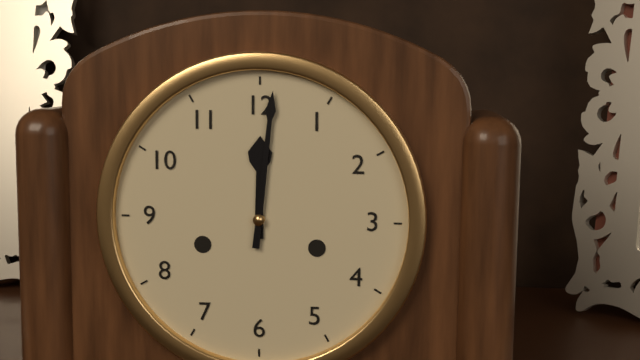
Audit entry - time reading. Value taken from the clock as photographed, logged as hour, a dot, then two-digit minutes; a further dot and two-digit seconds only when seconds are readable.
12.01
